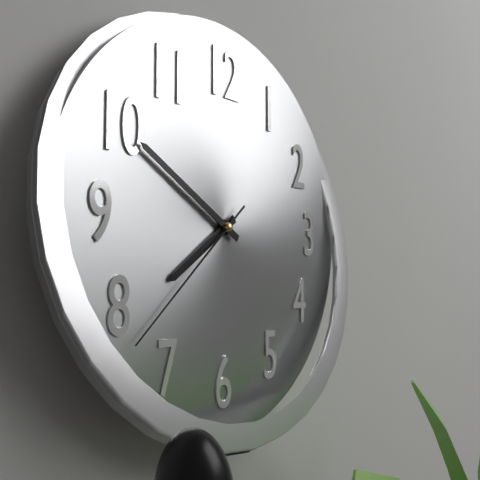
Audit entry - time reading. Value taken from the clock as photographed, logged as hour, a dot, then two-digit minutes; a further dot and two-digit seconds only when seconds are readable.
7.50.38
